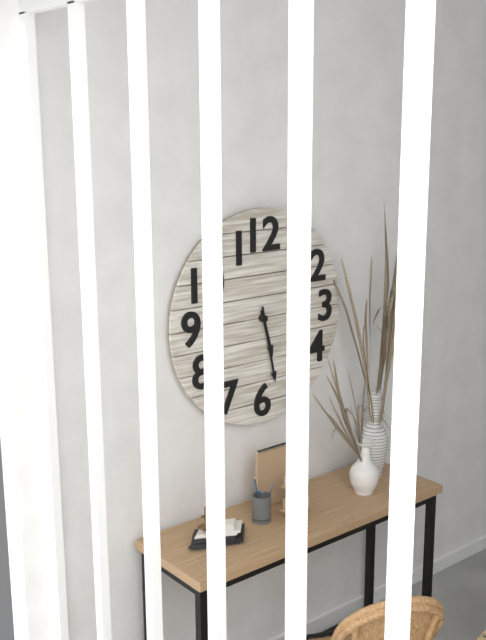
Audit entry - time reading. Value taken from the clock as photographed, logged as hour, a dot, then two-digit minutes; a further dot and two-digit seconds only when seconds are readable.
5.28
